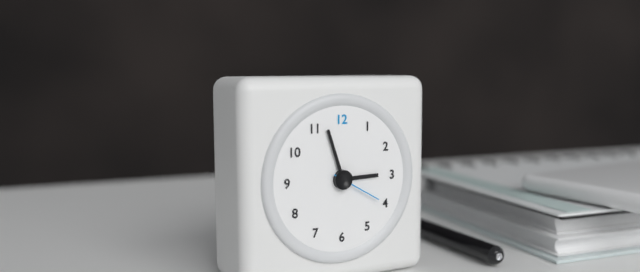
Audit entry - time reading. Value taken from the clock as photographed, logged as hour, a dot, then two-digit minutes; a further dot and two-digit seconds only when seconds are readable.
2.57.20
